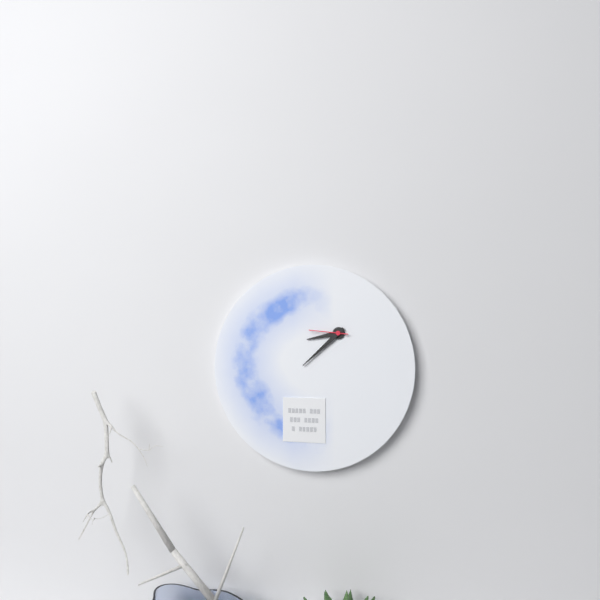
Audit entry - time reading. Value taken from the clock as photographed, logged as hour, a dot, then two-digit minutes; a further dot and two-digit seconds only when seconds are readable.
8.38
